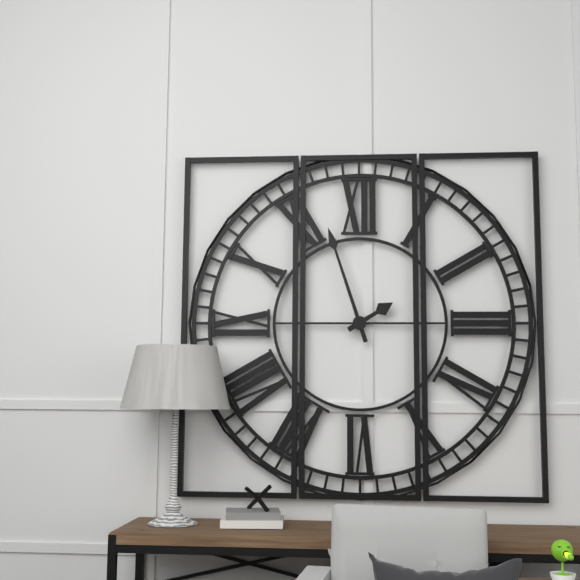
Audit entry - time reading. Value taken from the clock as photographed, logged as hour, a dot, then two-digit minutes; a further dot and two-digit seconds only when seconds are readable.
1.57
